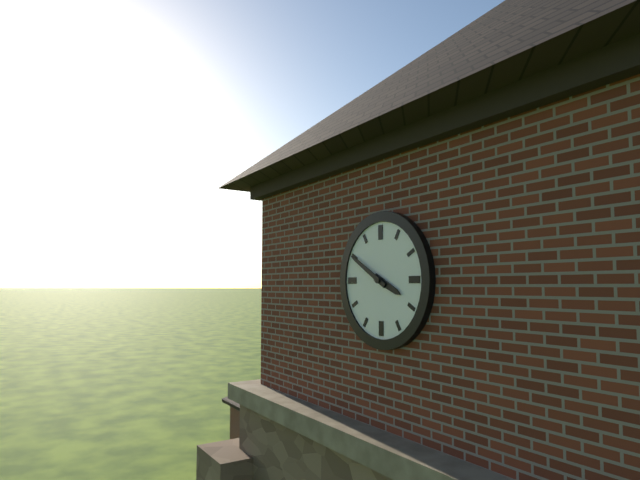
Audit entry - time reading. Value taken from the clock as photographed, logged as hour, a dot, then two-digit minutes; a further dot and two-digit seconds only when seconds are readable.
3.50
